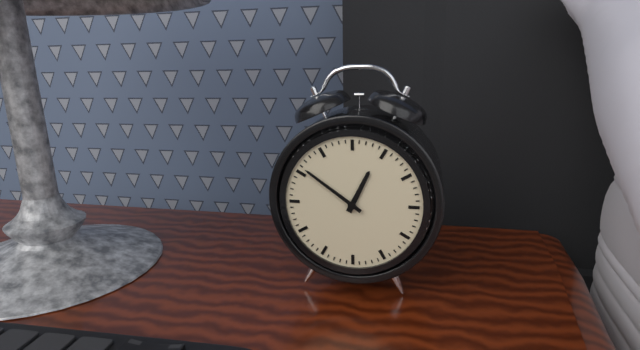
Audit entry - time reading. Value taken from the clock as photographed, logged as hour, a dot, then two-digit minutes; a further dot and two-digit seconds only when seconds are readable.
12.51
